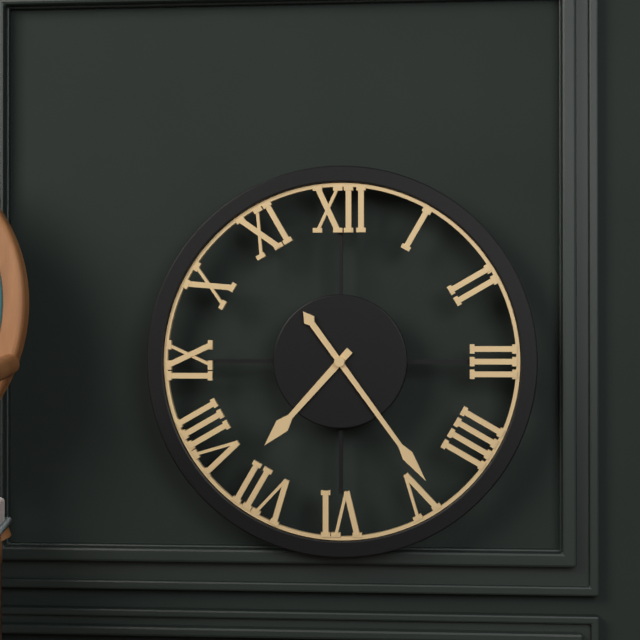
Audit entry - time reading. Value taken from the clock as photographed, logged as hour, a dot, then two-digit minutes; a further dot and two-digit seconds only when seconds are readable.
7.24
